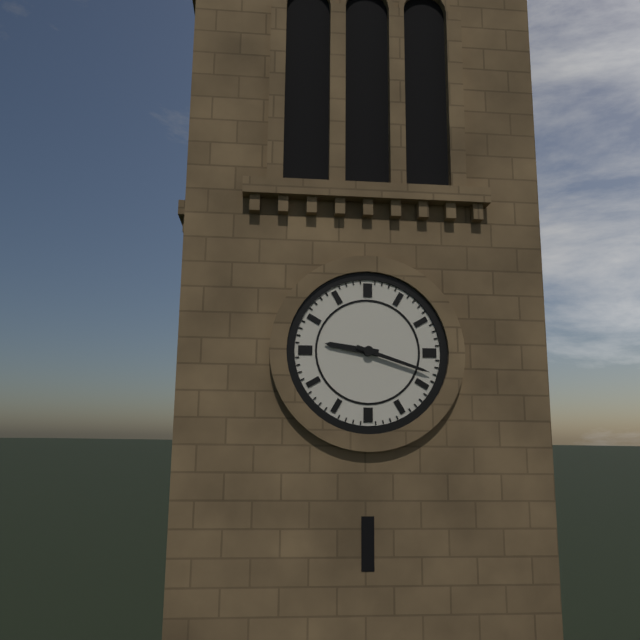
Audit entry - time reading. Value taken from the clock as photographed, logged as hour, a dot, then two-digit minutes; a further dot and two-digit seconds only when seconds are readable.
9.18
